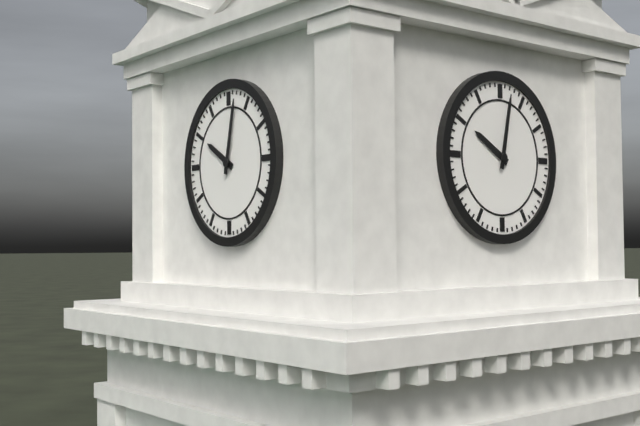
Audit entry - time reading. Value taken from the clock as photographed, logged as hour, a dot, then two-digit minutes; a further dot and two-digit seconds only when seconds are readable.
10.02
